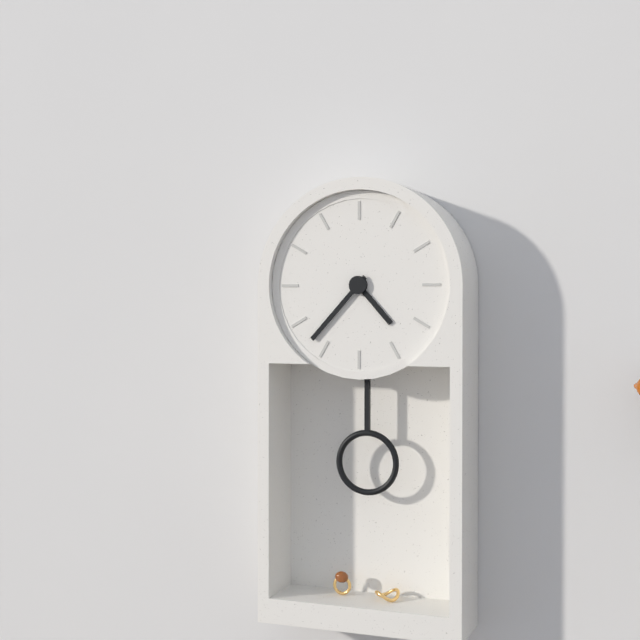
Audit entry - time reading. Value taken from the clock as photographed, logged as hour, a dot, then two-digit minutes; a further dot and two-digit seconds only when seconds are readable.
4.37
